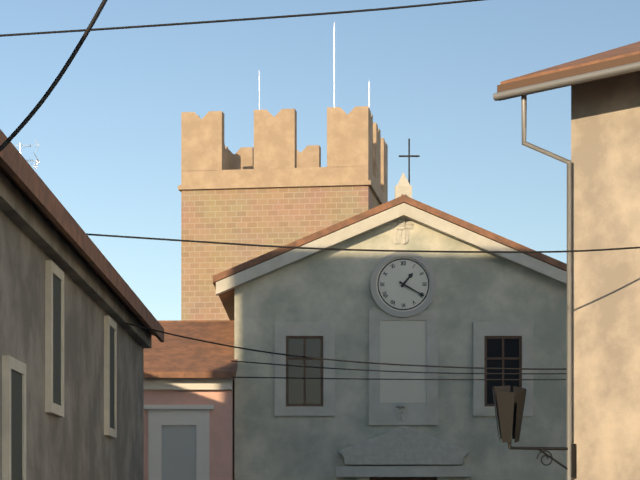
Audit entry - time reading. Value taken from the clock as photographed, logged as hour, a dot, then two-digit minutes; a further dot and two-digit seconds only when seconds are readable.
1.20
